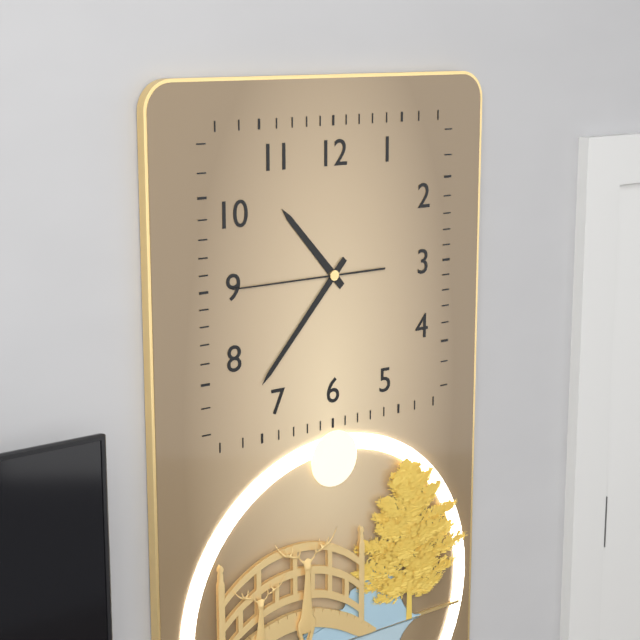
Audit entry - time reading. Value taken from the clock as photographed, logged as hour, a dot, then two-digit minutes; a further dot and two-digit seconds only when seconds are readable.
10.37.45
